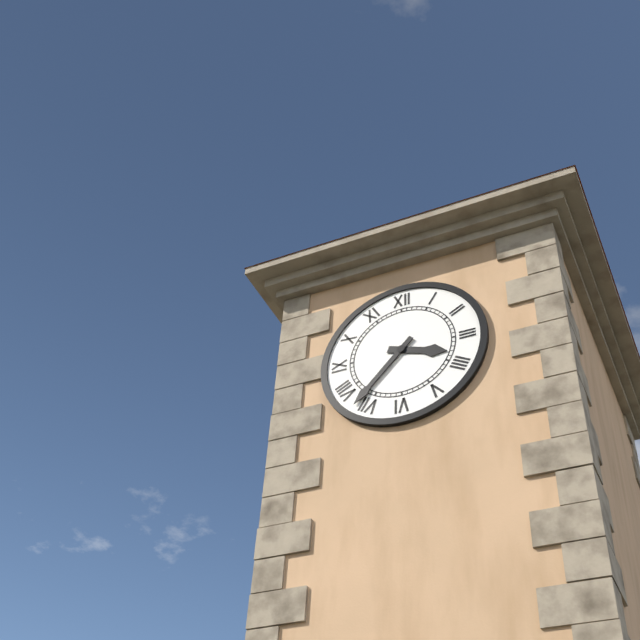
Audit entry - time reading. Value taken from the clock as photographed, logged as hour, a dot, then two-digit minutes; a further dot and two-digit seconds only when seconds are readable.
3.37
